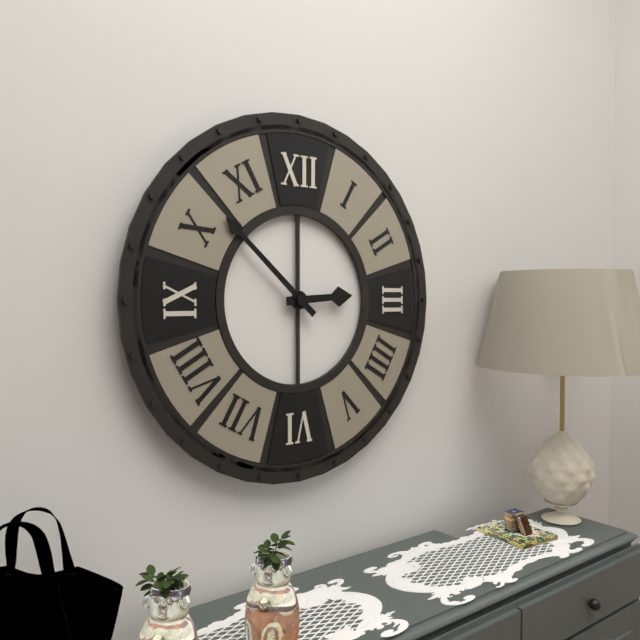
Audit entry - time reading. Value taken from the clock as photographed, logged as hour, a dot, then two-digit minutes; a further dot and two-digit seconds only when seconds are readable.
2.52
